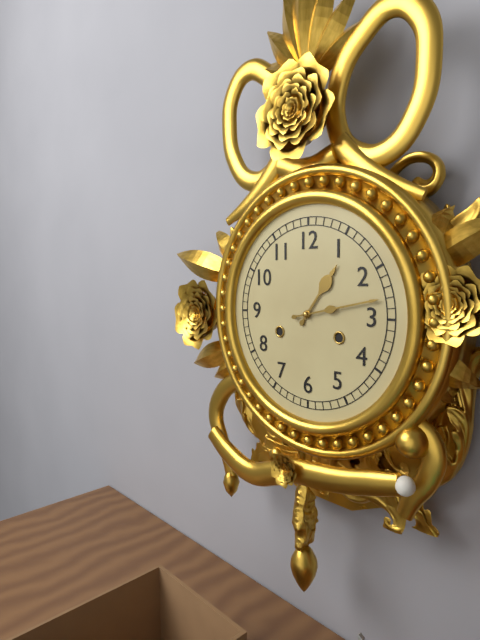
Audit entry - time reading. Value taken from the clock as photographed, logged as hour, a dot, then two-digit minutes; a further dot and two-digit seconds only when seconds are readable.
1.13
